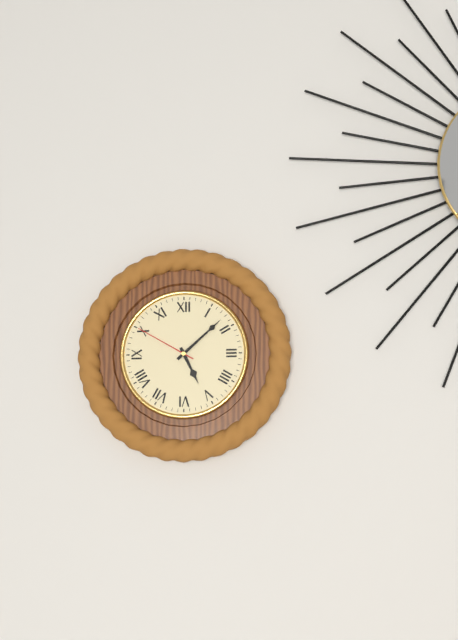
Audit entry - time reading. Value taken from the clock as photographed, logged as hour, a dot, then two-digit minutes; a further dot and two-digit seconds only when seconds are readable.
5.08.50
